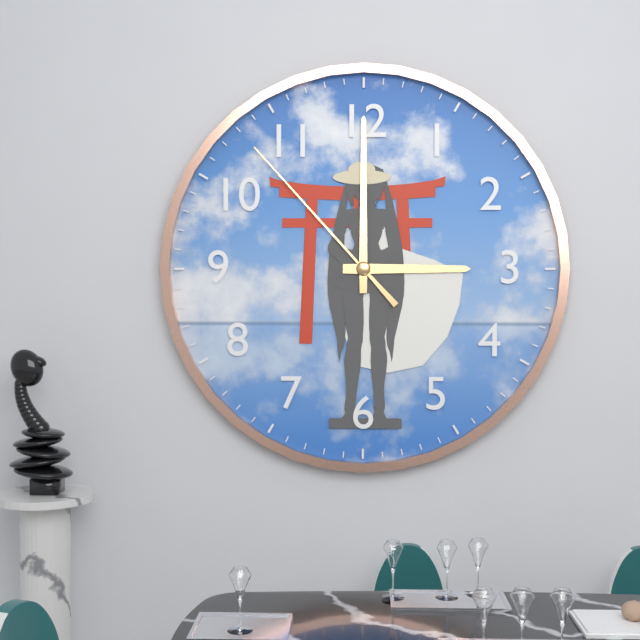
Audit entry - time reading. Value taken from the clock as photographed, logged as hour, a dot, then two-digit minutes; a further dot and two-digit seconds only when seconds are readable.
3.00.53
